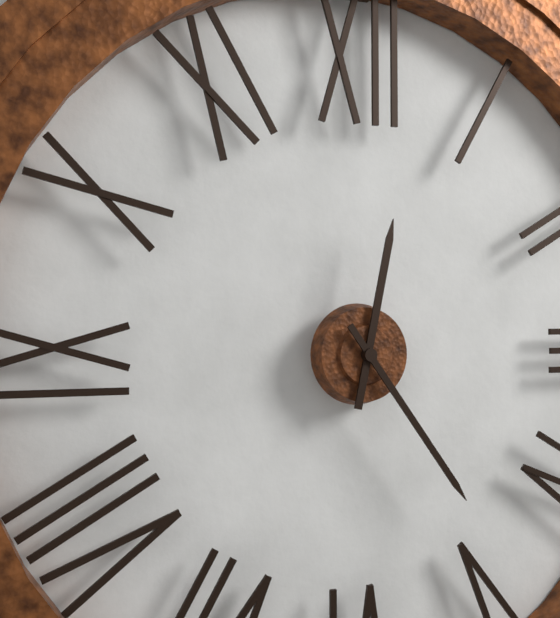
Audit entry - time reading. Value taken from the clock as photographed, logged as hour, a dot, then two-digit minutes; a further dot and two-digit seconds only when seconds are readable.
12.24
